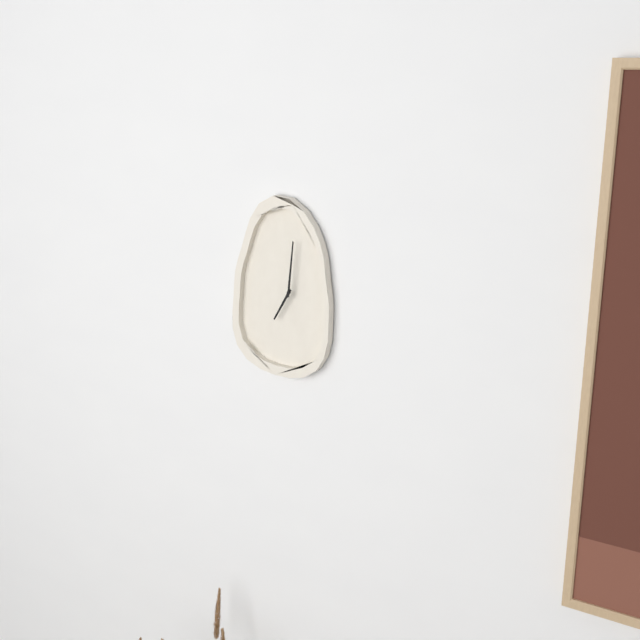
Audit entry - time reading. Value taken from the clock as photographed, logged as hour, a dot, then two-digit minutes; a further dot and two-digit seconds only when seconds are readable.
7.01
